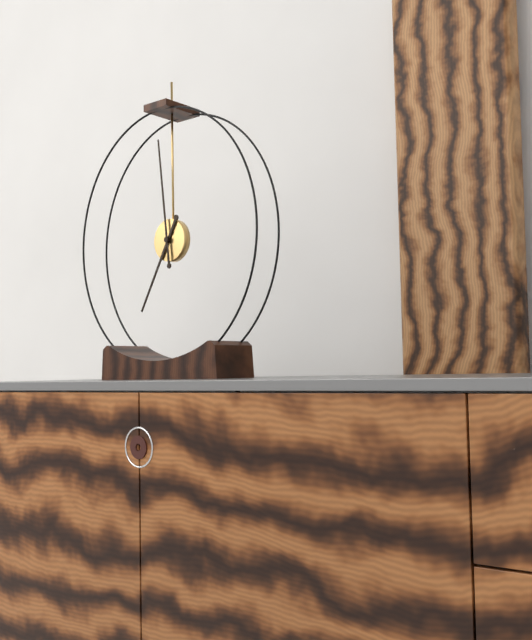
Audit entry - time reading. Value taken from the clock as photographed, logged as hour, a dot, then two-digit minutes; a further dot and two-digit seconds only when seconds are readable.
6.59
